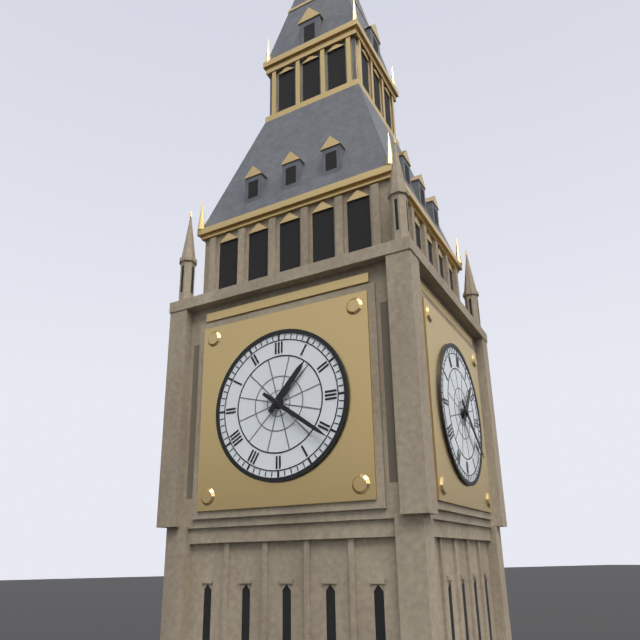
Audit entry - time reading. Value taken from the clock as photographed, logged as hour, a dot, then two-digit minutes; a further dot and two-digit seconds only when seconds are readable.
1.21
